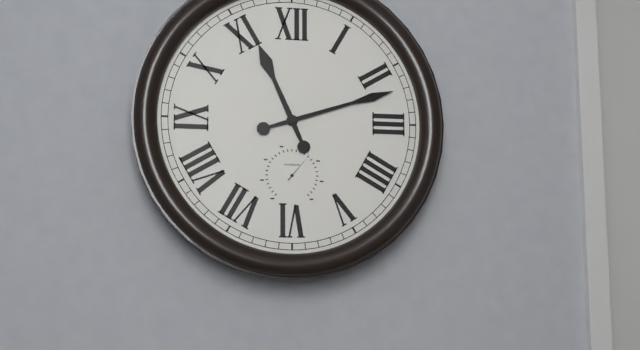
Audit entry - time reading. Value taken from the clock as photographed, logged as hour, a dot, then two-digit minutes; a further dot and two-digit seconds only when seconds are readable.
11.12
